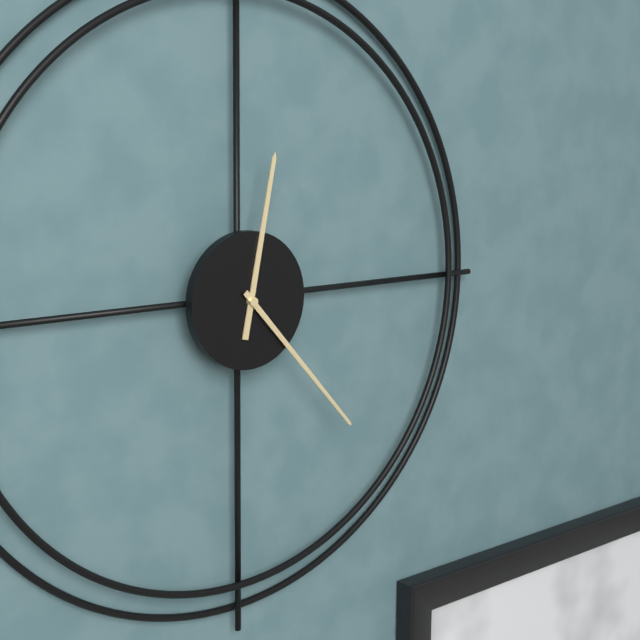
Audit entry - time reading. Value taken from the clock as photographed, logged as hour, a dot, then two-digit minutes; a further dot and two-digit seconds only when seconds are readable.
12.23
